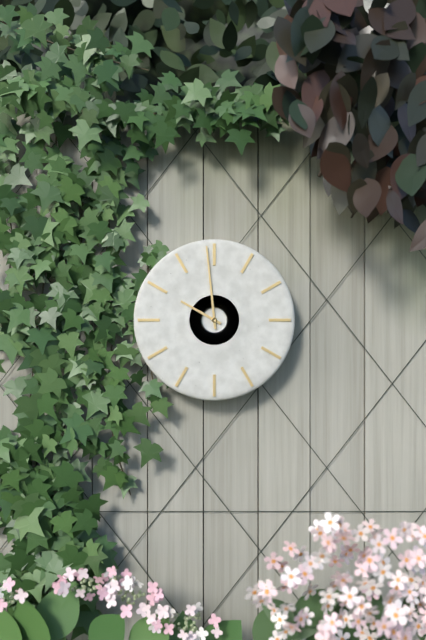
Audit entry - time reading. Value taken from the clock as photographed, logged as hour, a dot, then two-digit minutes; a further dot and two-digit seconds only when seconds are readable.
9.59
